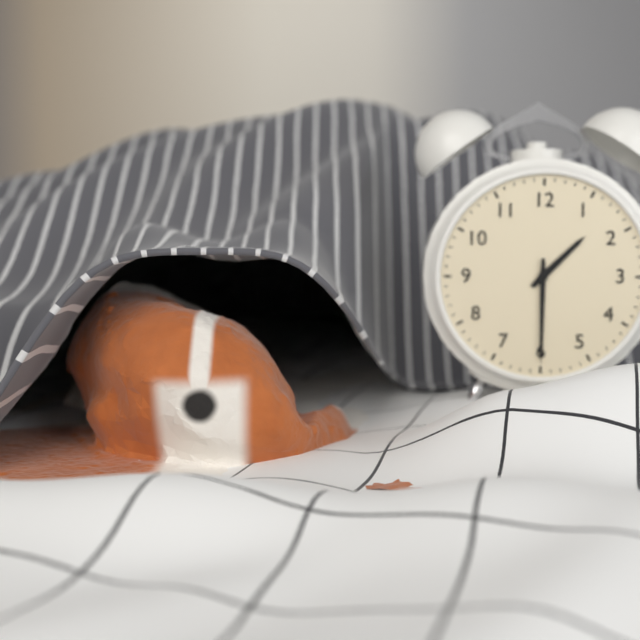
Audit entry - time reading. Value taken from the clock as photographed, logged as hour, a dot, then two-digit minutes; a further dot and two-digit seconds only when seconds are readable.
1.30
